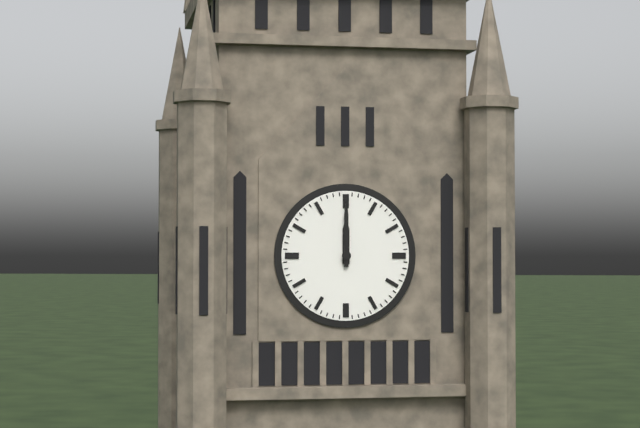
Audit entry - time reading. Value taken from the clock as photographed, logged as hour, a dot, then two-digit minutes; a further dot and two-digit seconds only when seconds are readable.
12.00
